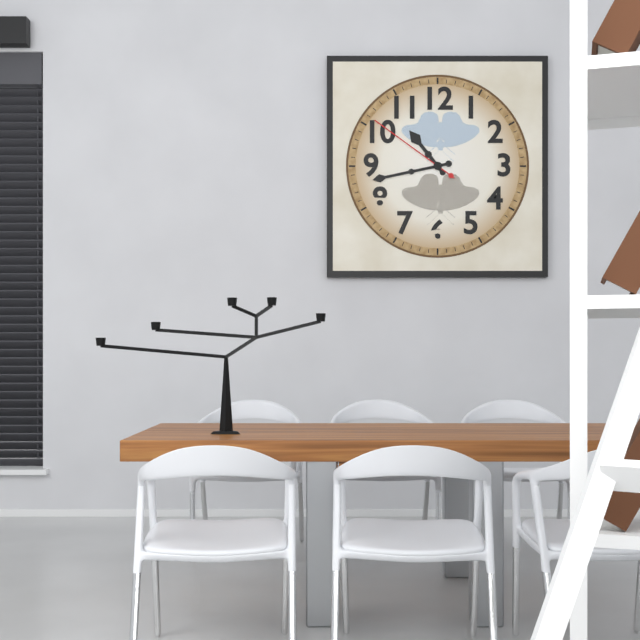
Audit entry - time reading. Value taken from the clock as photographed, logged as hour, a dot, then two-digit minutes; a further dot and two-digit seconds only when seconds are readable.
10.43.51
